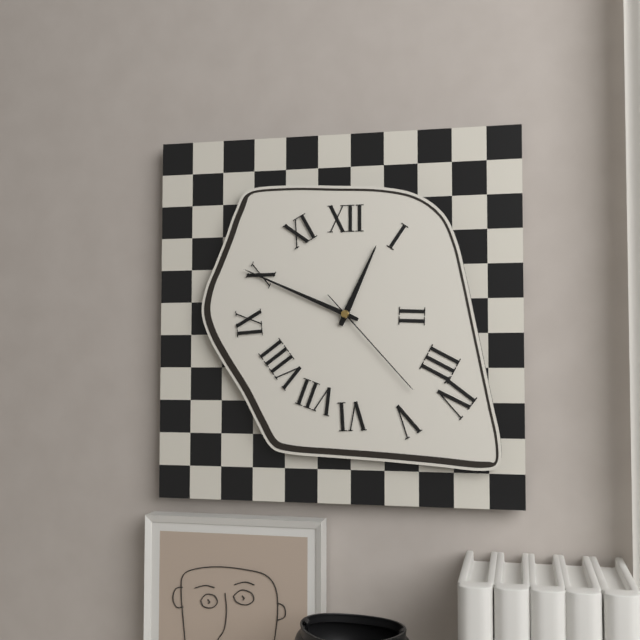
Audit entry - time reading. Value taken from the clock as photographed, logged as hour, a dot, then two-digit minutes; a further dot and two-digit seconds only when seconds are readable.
12.49.23
